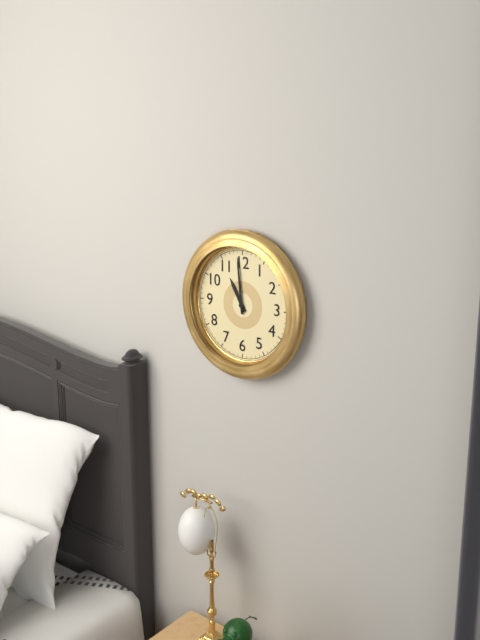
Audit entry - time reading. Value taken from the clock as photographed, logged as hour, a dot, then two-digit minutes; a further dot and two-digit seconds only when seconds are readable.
10.59
